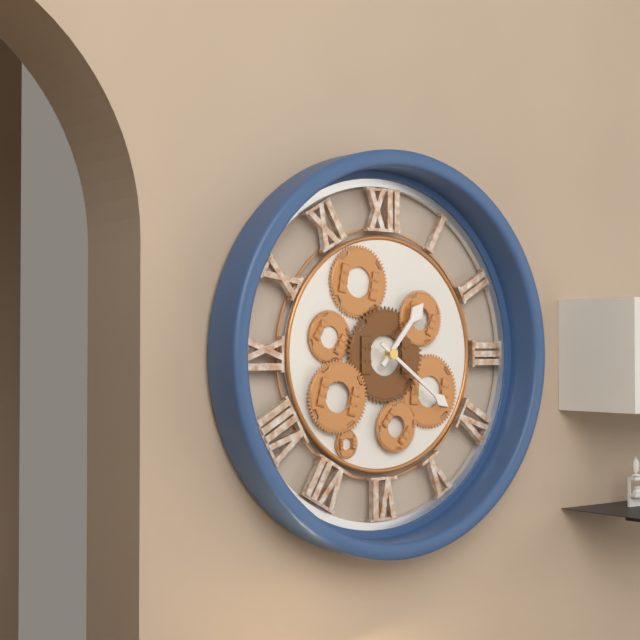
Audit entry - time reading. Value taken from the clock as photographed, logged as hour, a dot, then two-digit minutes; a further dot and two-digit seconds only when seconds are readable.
1.21
